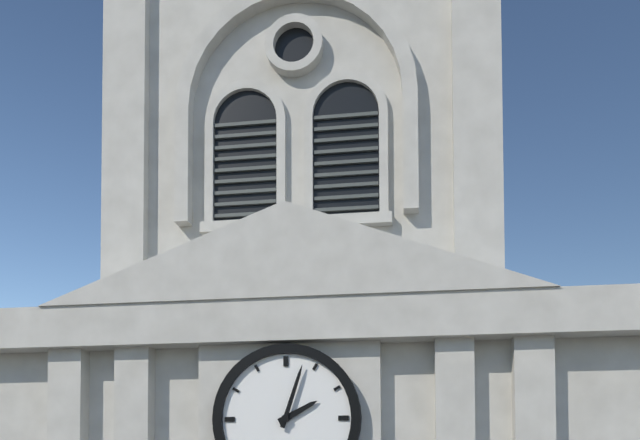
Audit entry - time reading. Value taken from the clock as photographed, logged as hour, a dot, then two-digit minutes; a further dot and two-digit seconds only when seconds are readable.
2.03
